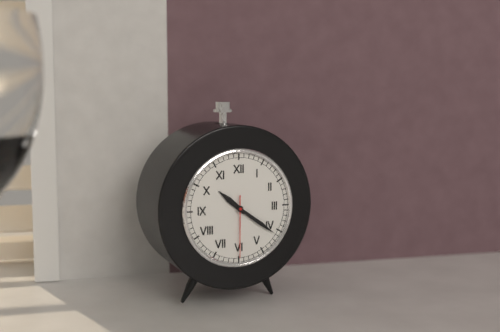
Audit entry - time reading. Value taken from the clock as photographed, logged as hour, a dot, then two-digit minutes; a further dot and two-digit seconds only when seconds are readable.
10.21.30
